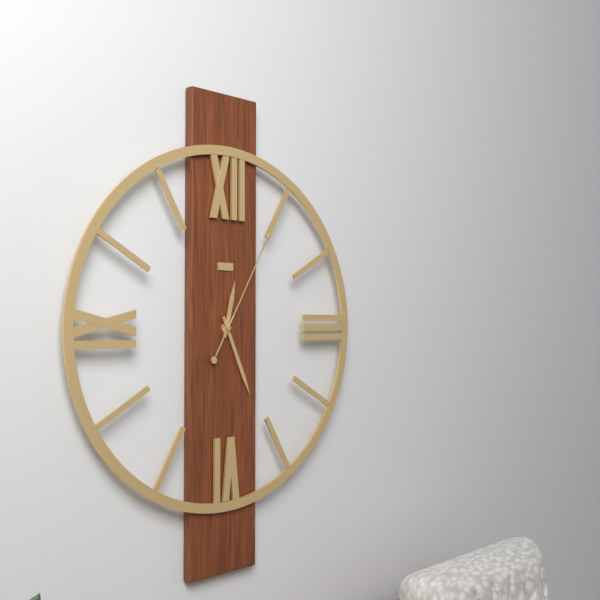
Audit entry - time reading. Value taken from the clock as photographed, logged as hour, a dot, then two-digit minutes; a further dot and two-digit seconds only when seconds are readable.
12.26.05
